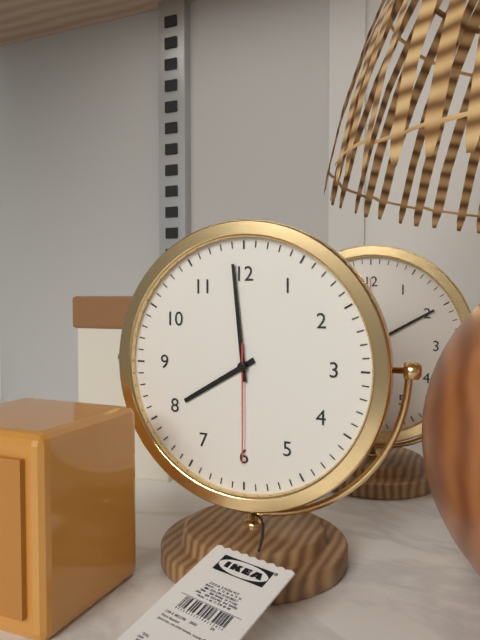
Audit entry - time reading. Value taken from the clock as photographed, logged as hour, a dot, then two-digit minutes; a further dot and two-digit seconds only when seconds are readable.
7.59.30
